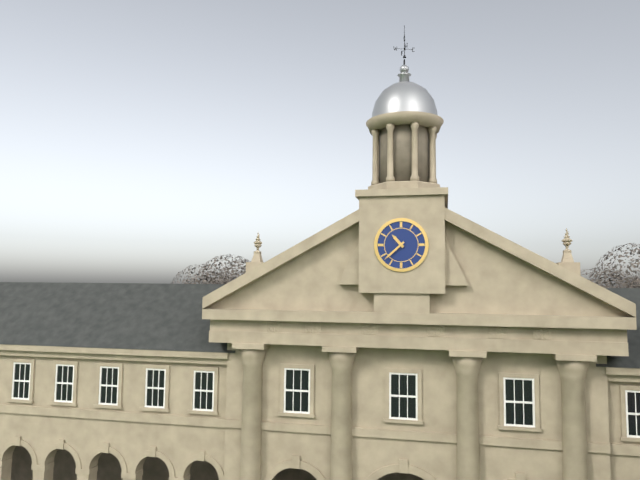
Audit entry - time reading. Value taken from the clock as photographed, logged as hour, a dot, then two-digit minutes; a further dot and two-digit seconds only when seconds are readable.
10.38
